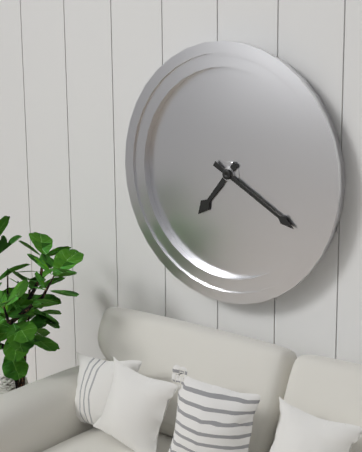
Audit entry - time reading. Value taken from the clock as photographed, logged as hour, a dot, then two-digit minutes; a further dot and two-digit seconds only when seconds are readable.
7.20
